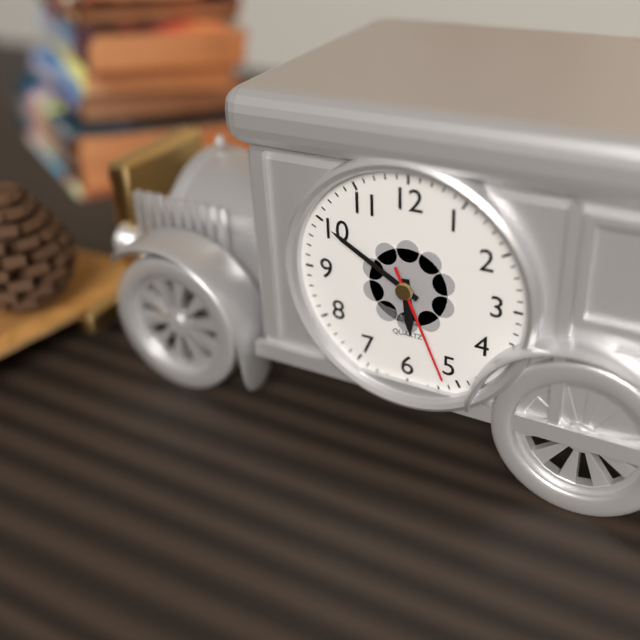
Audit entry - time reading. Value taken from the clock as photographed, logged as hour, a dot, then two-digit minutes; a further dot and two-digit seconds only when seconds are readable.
5.50.26
